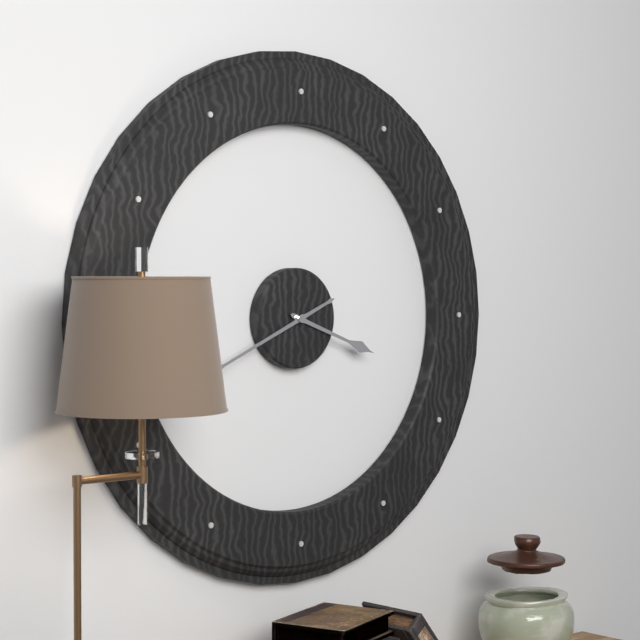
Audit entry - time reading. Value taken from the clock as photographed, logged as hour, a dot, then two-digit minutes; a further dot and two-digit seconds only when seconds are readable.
3.41
